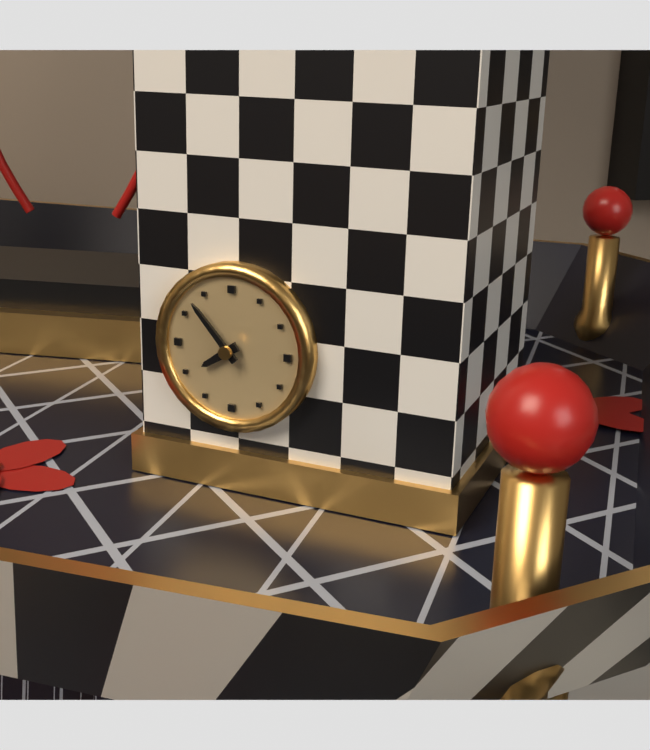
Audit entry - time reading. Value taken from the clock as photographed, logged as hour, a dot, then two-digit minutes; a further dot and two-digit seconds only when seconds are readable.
7.53
